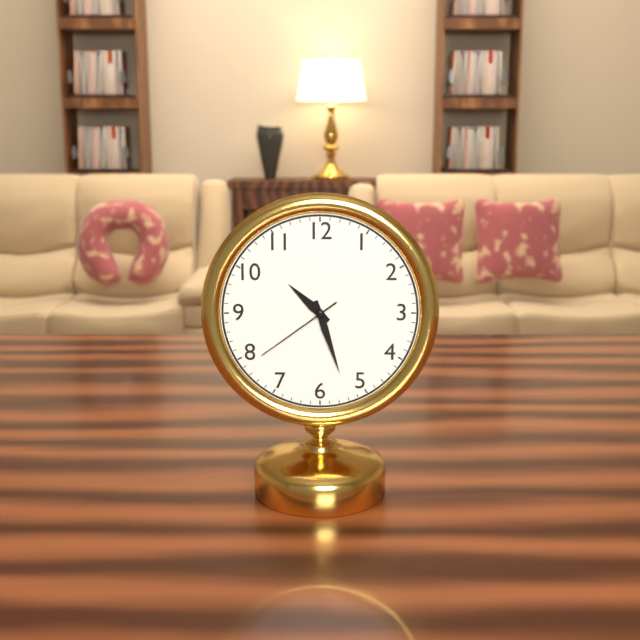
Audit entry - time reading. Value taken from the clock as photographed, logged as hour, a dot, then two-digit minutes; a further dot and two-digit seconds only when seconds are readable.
10.27.39
